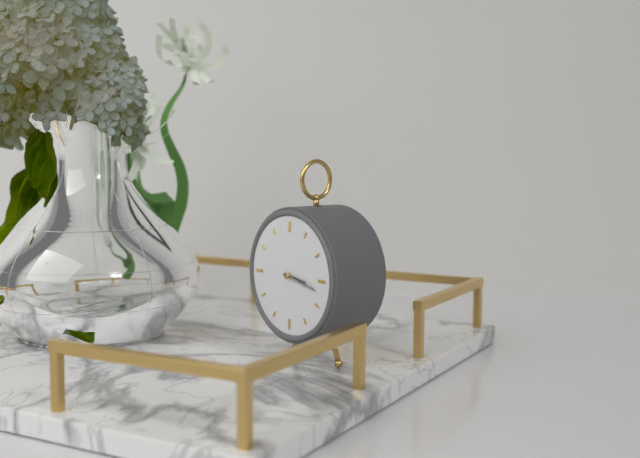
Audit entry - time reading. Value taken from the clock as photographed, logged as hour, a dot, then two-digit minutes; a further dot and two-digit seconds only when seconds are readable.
3.17
